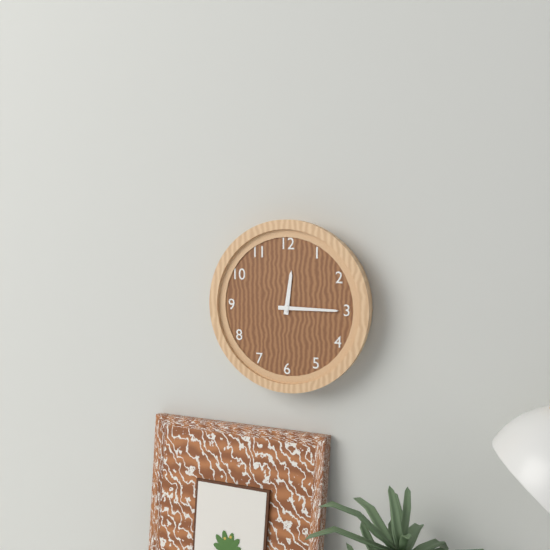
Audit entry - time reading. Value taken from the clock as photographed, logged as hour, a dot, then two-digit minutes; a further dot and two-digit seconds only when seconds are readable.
12.15
